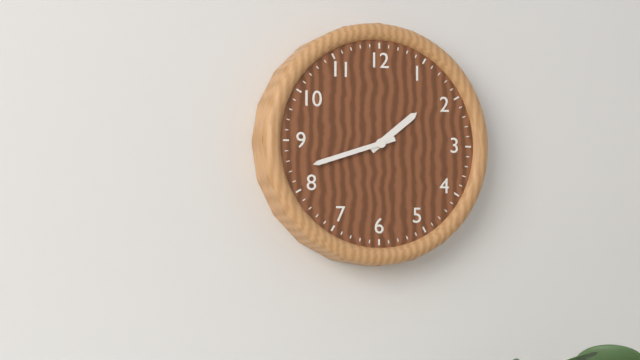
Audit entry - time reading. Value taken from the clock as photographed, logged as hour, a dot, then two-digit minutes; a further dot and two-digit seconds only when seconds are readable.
1.42
